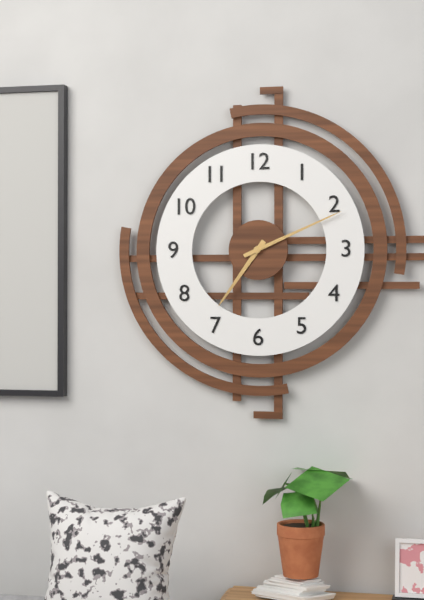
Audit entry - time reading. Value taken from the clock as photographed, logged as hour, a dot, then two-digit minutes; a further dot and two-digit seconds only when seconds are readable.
7.11
